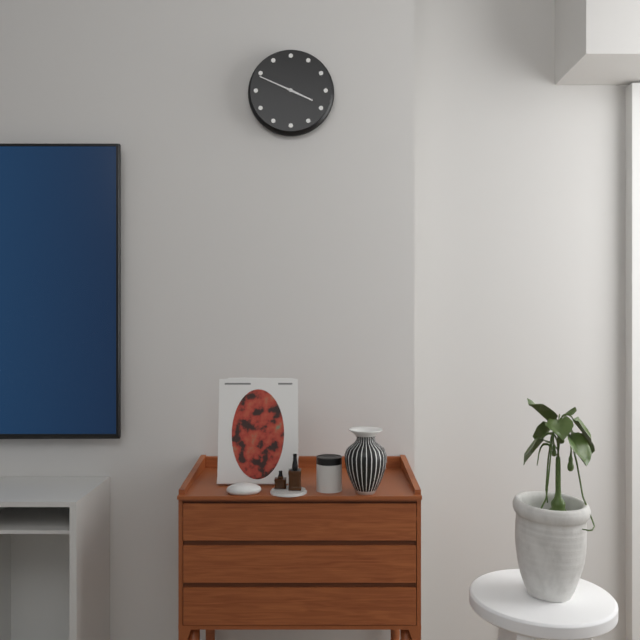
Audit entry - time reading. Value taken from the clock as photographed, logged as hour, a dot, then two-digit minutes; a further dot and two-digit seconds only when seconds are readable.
3.49
